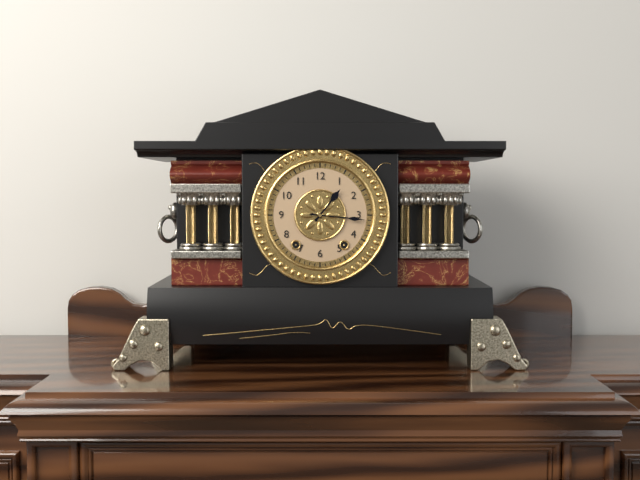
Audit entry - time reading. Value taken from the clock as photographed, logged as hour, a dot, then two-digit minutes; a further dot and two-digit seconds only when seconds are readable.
1.16
